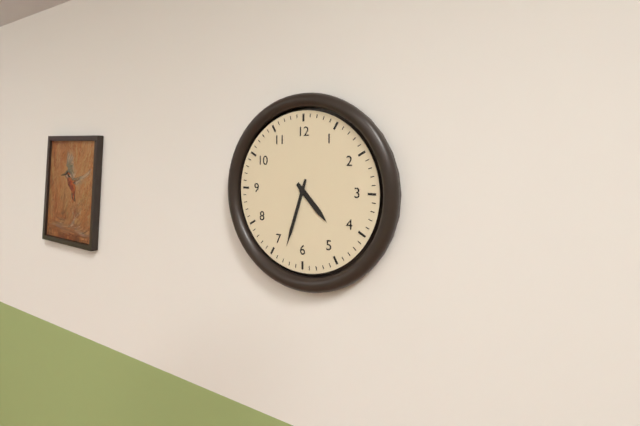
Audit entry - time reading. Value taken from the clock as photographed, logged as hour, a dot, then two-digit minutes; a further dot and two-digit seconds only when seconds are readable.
4.33
